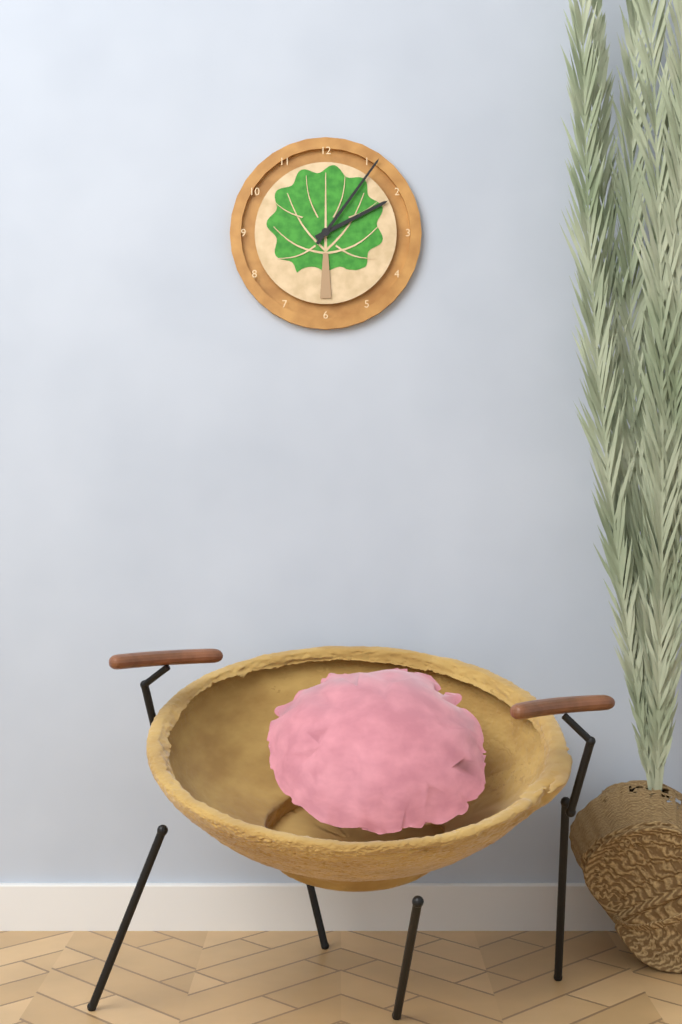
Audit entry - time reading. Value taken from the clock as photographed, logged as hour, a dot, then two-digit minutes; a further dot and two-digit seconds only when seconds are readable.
2.06
